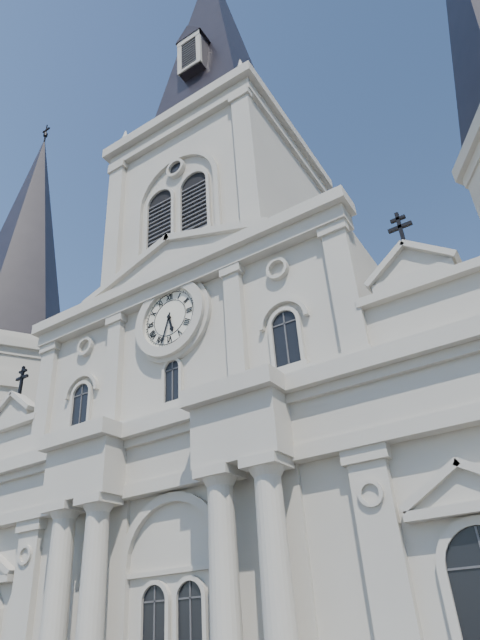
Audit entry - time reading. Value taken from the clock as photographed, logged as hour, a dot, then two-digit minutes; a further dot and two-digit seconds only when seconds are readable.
5.33
